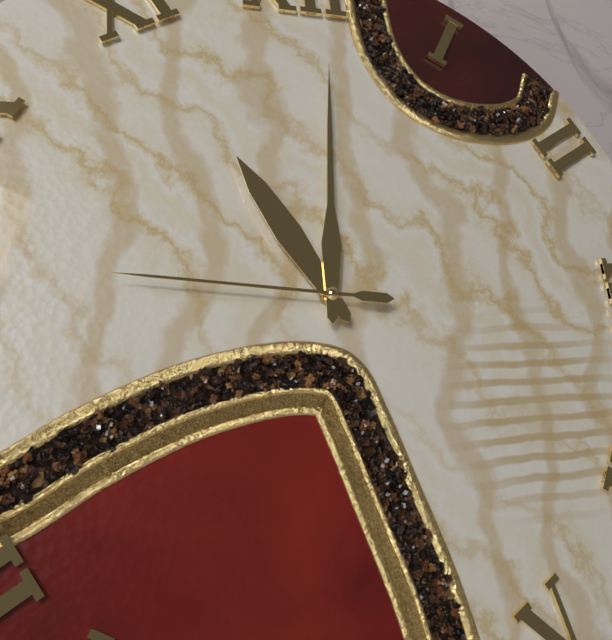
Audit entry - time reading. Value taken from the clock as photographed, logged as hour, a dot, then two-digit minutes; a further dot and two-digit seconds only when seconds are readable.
11.01.46
